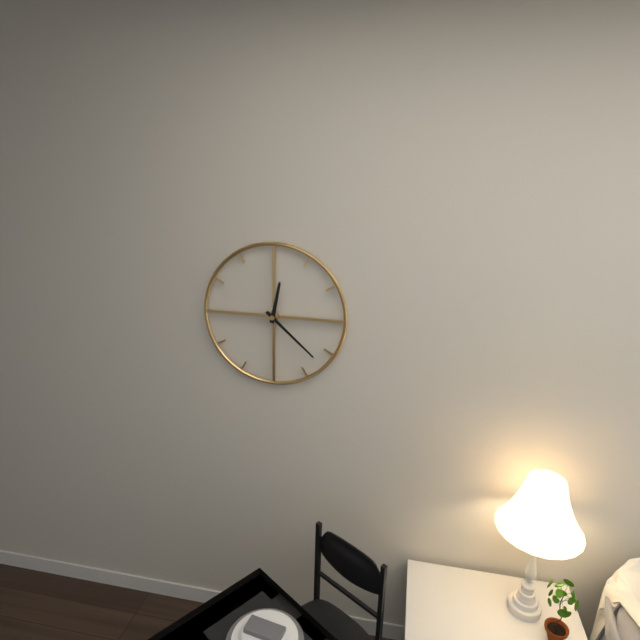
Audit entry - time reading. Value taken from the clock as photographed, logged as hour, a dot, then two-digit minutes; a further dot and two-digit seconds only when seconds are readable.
12.22
